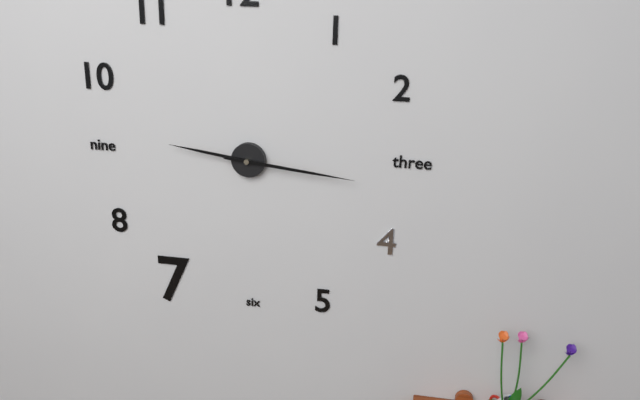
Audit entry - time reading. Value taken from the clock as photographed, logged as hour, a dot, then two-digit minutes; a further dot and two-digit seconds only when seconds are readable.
9.16
